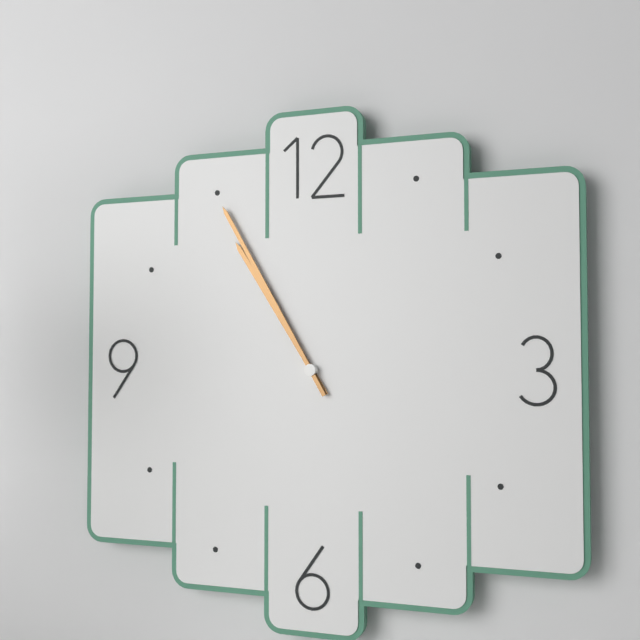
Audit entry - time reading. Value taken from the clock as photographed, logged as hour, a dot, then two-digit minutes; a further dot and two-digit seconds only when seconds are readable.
10.55
